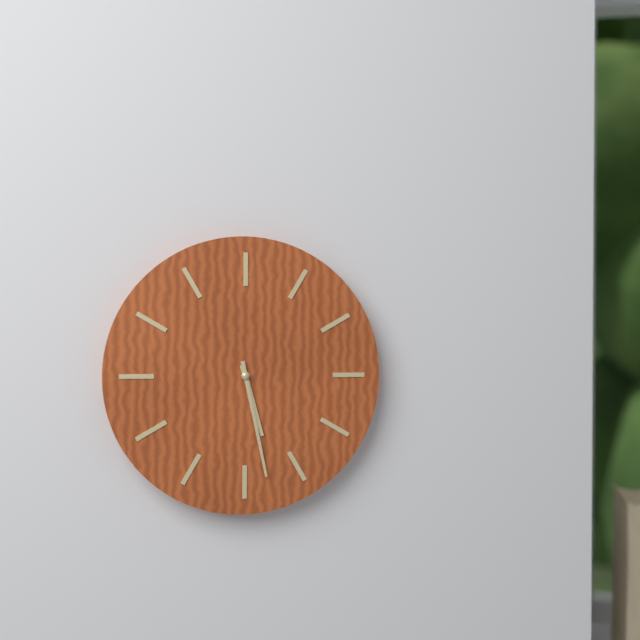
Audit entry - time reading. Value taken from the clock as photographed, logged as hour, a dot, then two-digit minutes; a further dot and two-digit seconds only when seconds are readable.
5.28
